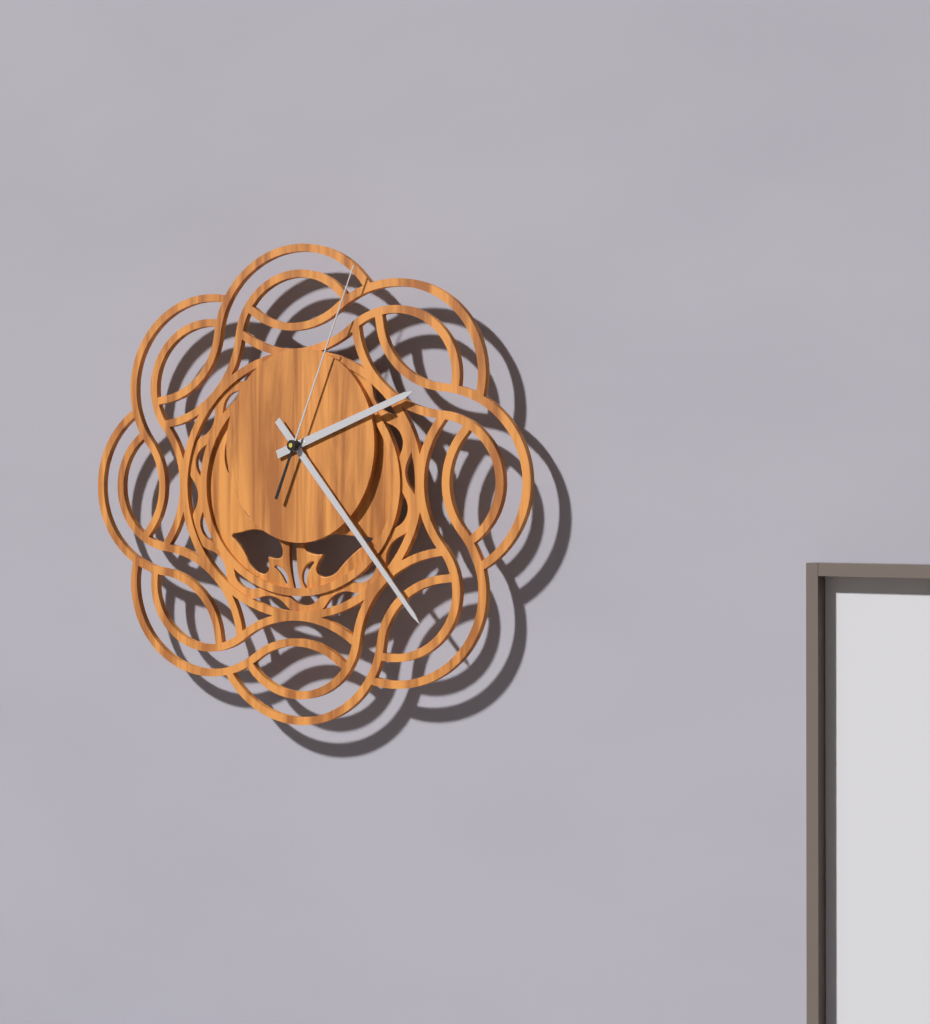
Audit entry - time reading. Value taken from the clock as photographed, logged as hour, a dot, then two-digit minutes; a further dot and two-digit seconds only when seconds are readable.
2.23.04
